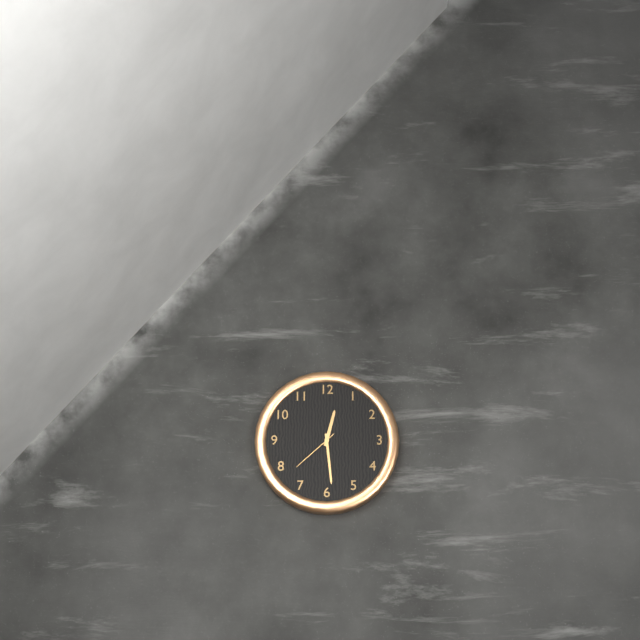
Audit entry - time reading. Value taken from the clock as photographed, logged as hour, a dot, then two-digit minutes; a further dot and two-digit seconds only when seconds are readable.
12.29.38
